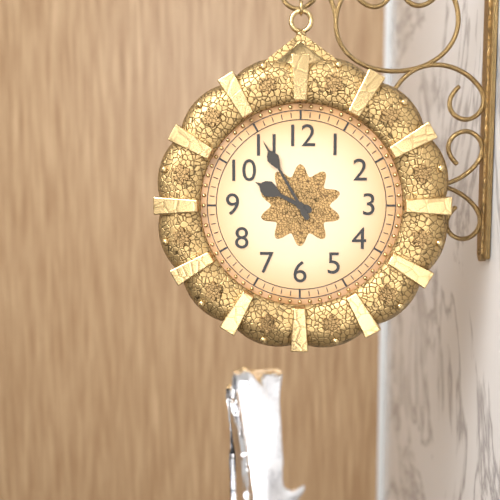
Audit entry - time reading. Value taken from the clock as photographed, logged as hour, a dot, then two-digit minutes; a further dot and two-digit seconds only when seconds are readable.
9.55
